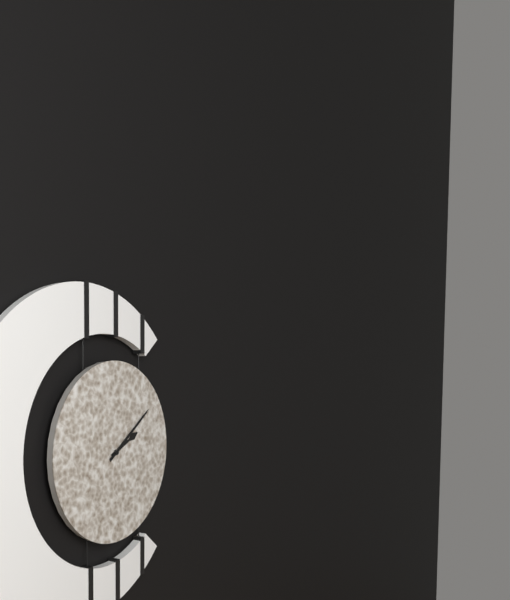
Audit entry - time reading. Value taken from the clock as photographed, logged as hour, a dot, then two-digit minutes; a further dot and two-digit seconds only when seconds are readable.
2.09
